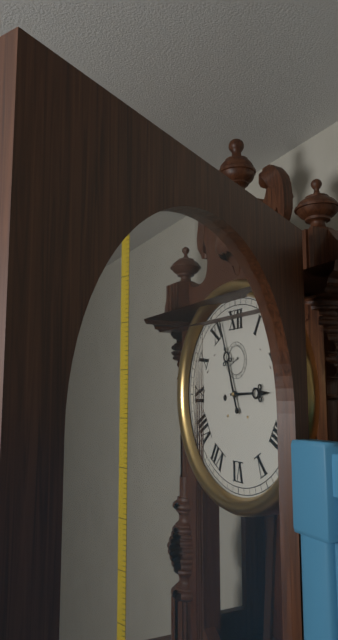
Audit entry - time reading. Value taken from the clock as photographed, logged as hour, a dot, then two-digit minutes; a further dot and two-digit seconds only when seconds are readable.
2.57
